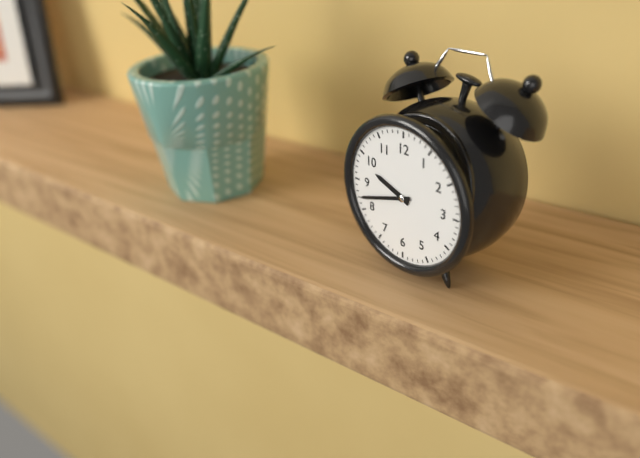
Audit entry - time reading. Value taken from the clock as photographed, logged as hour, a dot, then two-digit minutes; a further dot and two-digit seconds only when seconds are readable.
9.42
